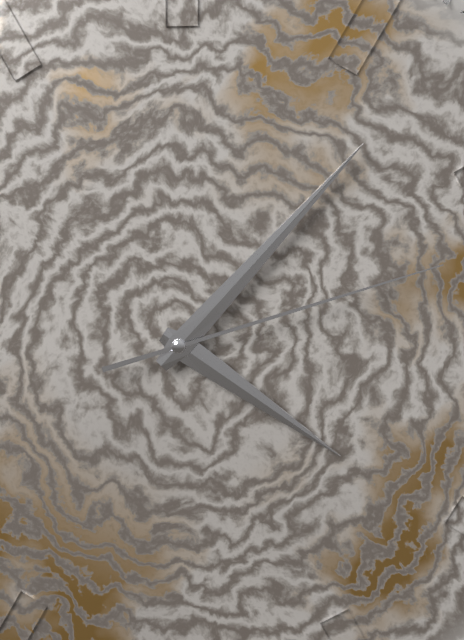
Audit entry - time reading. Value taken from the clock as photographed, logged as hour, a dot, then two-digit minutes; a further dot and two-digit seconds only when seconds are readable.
4.07.12
